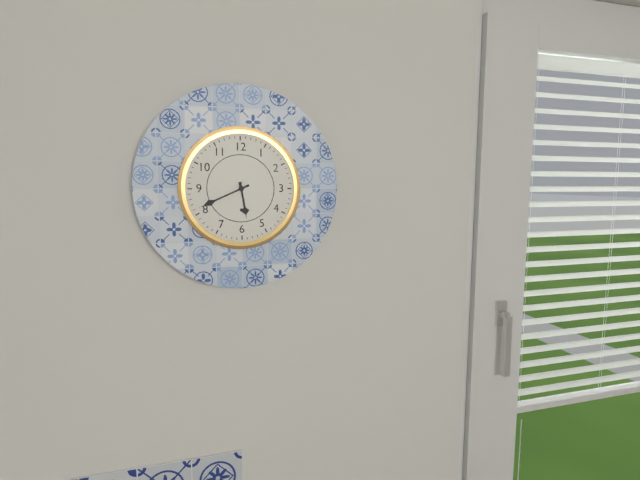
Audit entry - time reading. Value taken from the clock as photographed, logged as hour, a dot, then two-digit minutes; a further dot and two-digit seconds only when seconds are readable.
5.41
